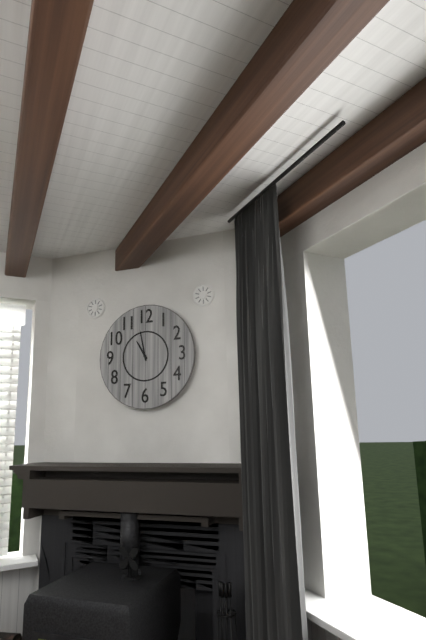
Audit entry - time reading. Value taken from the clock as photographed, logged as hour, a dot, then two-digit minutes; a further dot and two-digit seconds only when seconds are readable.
10.58
